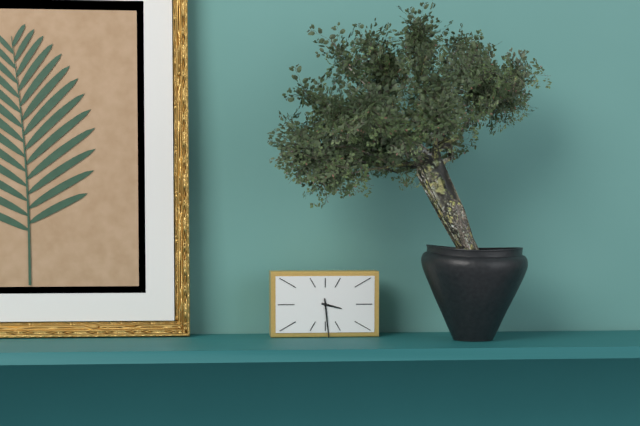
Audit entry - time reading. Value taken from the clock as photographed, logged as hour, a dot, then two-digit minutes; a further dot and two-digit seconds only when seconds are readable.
3.29
